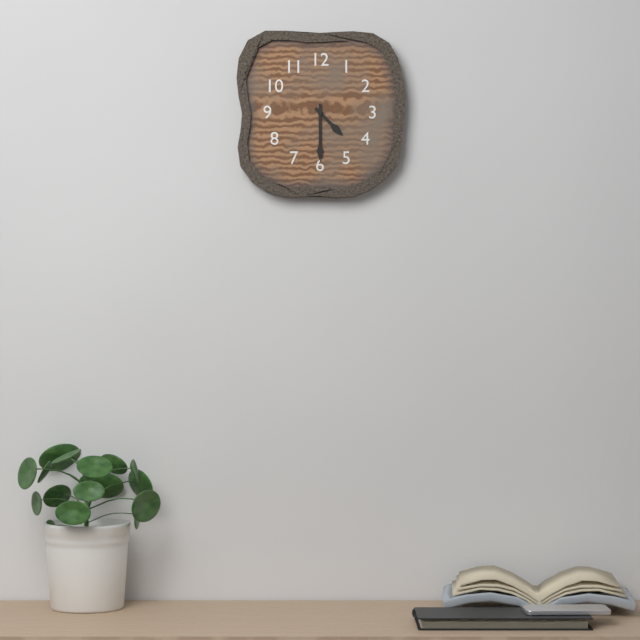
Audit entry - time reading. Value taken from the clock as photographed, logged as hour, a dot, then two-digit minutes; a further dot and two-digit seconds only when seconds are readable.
4.30
